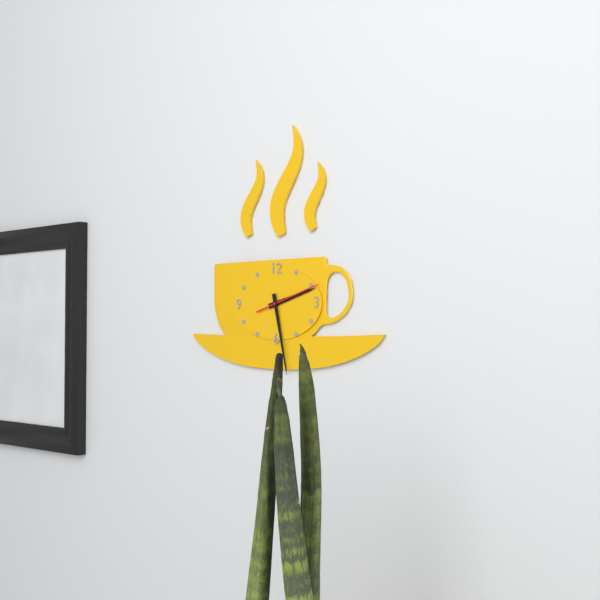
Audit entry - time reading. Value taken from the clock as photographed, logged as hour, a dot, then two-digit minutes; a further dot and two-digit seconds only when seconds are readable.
2.28.12
